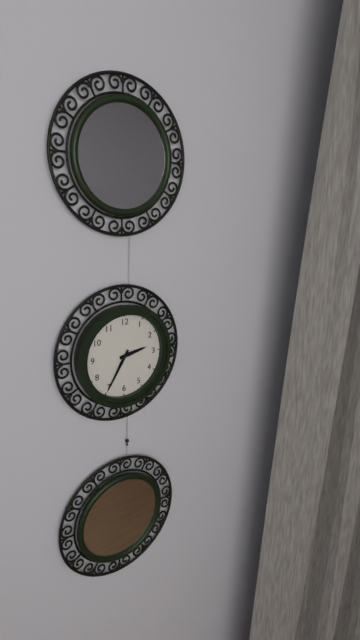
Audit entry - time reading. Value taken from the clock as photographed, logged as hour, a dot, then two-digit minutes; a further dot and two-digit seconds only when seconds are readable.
2.35
